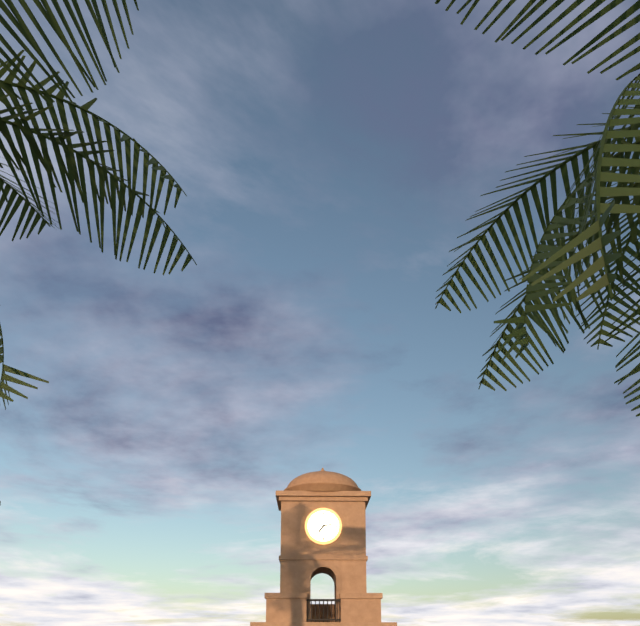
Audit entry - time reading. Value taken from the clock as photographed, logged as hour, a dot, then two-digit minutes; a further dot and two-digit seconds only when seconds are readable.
7.13
